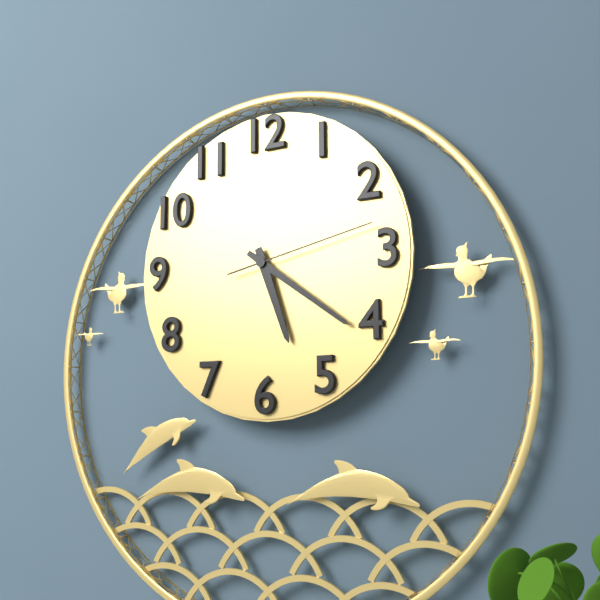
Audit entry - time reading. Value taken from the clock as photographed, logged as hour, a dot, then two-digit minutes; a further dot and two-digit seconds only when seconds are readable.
5.21.13
